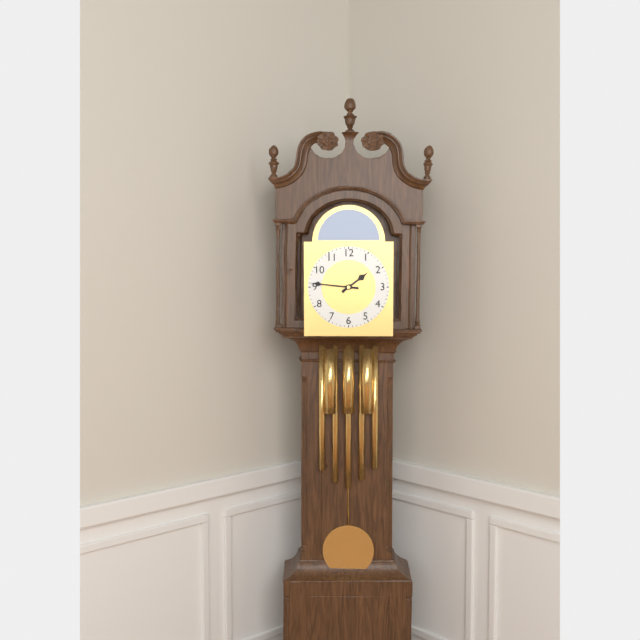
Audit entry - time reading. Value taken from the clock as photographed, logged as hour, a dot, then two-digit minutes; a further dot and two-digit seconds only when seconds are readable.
1.46
